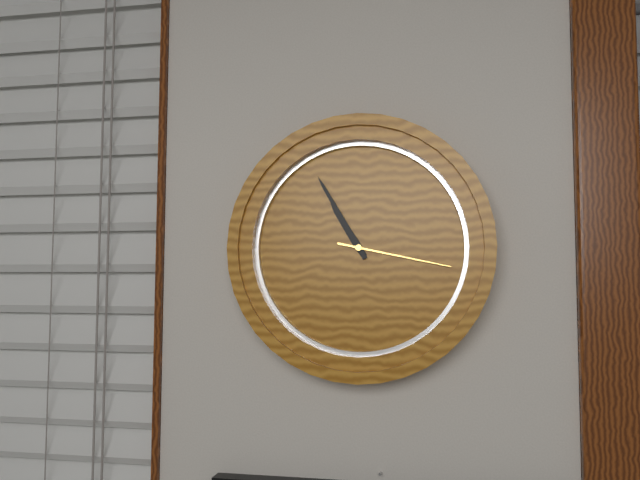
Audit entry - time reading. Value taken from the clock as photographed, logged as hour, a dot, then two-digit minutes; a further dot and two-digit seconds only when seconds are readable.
10.55.17
